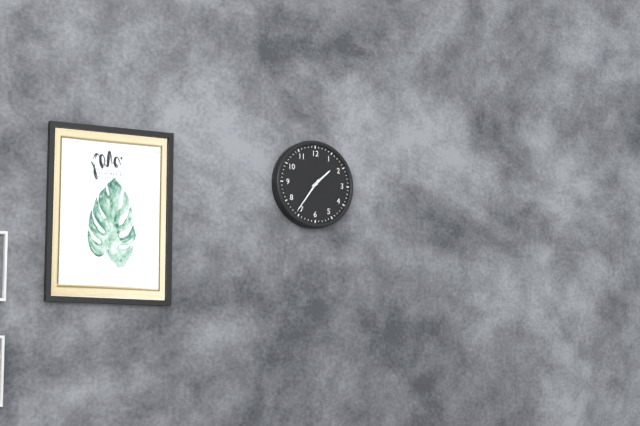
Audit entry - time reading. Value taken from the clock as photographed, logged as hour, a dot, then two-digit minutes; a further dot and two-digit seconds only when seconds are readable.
1.36
